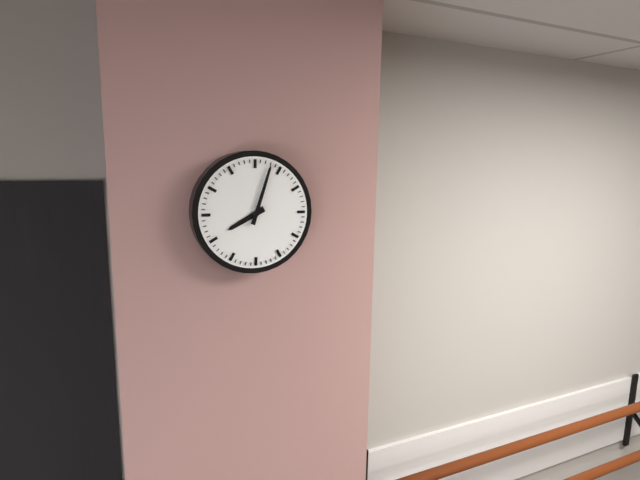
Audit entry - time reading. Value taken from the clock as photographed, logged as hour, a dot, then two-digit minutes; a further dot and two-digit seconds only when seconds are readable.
8.03
